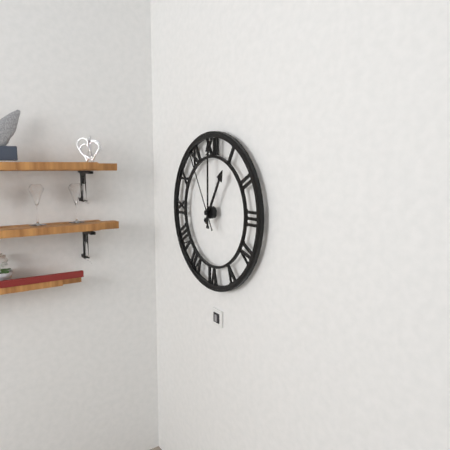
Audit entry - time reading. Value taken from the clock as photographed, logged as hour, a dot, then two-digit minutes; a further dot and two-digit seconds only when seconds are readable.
1.00.55
